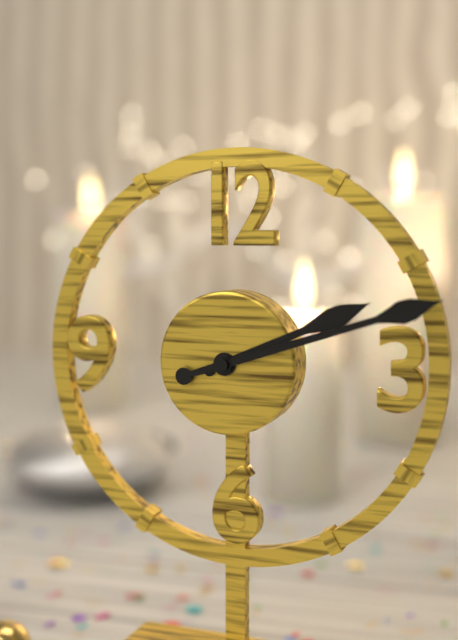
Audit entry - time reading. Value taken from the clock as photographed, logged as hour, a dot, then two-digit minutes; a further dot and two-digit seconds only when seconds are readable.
2.12
